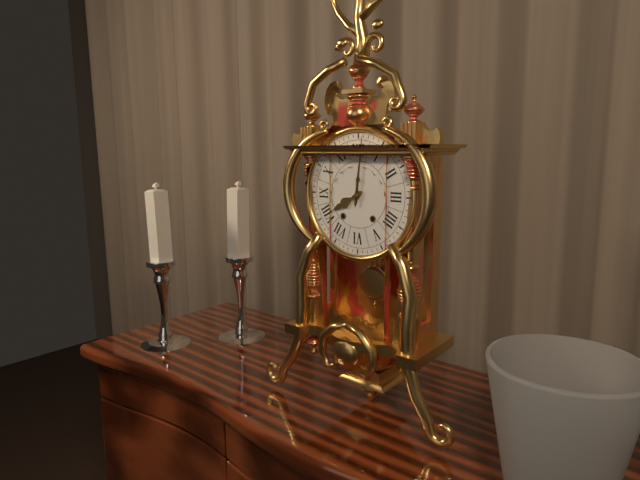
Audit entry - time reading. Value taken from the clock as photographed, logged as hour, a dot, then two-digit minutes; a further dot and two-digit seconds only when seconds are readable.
8.01
